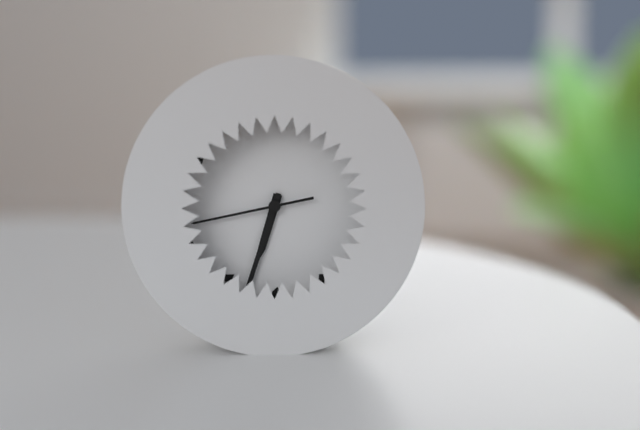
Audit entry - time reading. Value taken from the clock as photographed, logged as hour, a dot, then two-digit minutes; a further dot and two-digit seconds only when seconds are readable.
6.33.43
